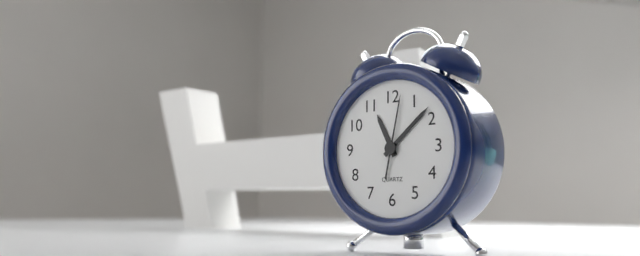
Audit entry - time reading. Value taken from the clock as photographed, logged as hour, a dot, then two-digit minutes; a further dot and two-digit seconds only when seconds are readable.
11.08.02
